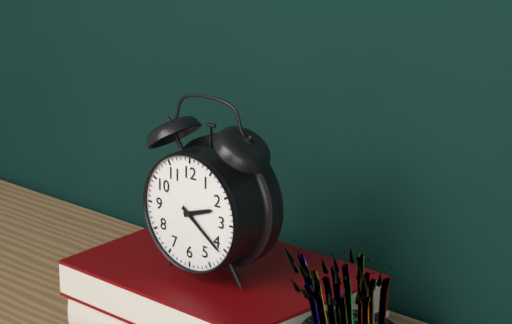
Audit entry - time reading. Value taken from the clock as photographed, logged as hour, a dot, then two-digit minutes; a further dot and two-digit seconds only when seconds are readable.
2.21
